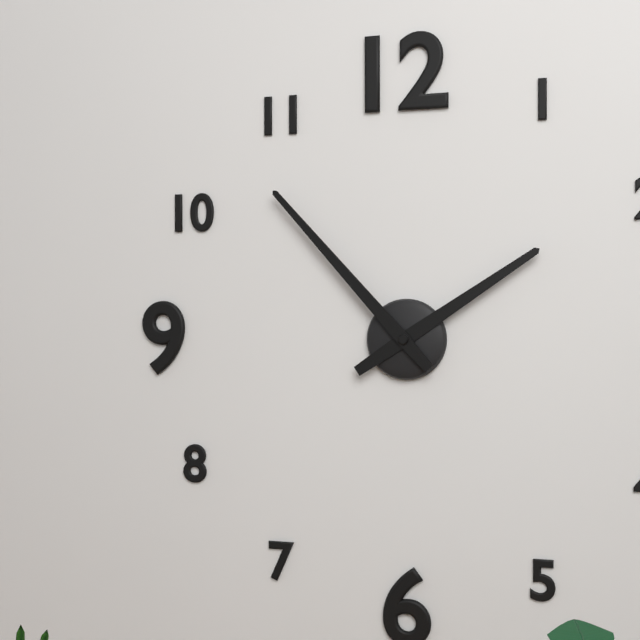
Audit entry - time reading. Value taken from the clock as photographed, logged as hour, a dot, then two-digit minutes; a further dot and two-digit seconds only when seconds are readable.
1.53
